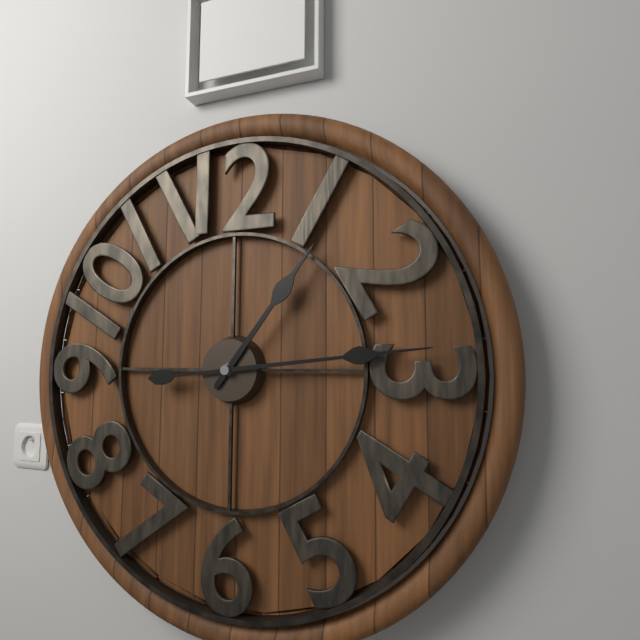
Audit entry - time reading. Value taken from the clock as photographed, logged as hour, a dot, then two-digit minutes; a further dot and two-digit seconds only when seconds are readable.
1.14
